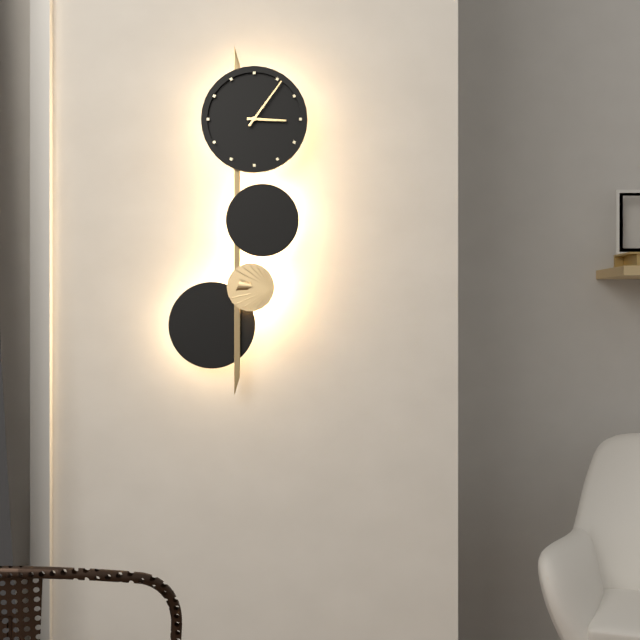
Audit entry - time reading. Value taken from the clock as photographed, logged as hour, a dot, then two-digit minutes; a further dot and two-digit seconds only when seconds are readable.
3.06
